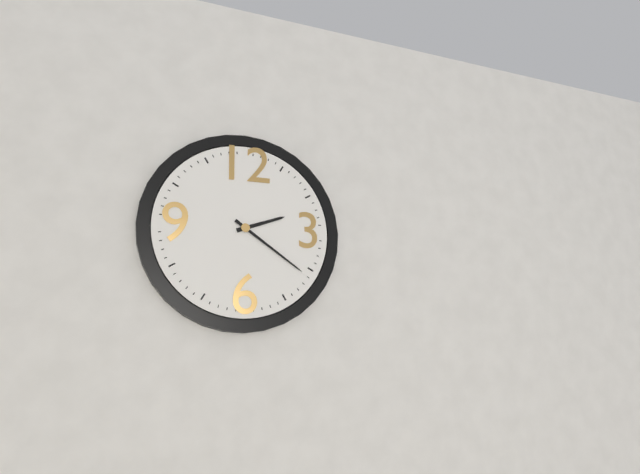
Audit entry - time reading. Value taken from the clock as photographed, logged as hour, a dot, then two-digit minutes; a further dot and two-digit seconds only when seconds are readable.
2.21
